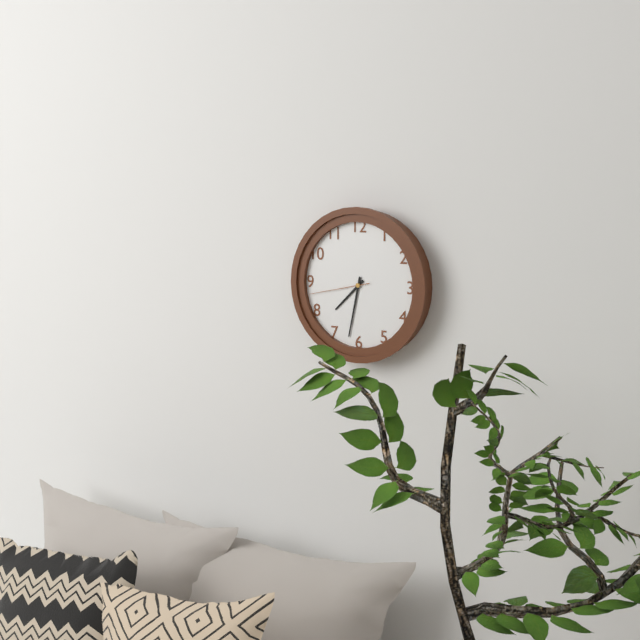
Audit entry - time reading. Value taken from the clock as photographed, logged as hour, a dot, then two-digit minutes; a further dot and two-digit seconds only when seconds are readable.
7.32.43
